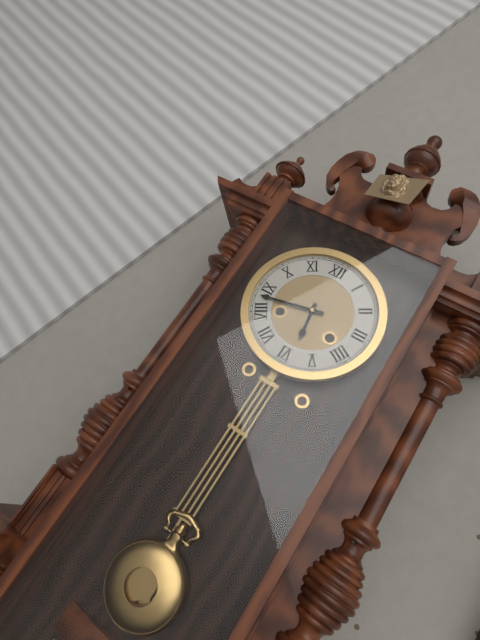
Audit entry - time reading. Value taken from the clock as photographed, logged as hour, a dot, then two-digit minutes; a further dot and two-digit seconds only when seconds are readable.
5.43
